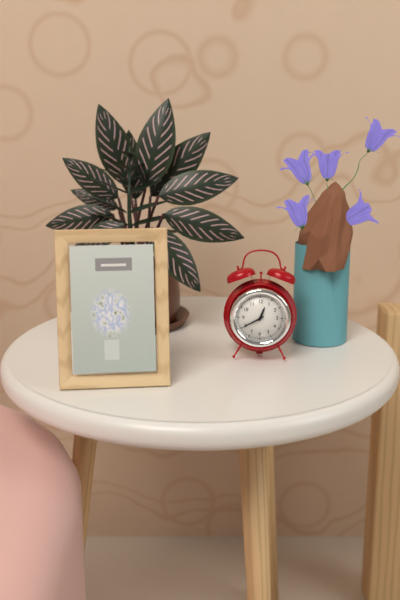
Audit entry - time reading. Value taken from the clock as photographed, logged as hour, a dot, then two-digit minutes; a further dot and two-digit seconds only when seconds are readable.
12.40
